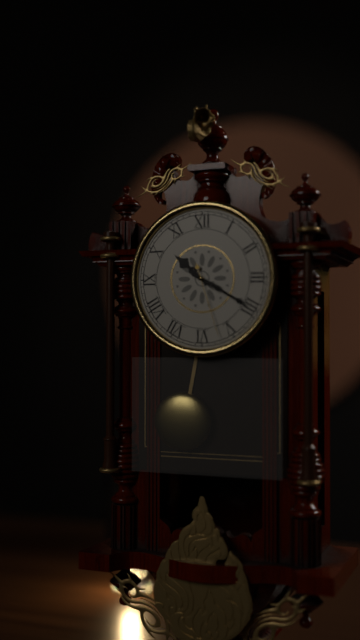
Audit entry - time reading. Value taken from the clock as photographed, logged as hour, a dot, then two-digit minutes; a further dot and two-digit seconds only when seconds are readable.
10.20.27
